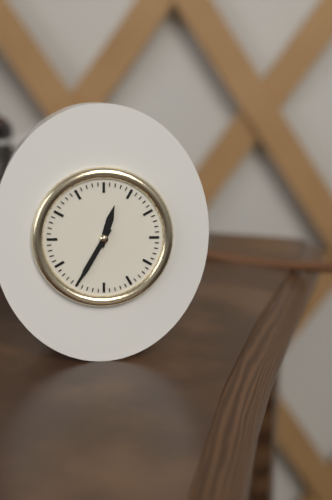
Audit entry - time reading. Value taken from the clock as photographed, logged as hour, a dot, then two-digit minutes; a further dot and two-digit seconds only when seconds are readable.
12.35
